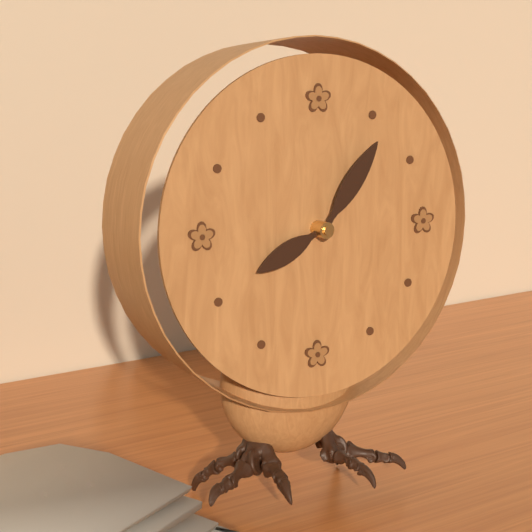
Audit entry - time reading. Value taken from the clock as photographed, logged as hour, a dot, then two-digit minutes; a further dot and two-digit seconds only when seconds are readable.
8.06
